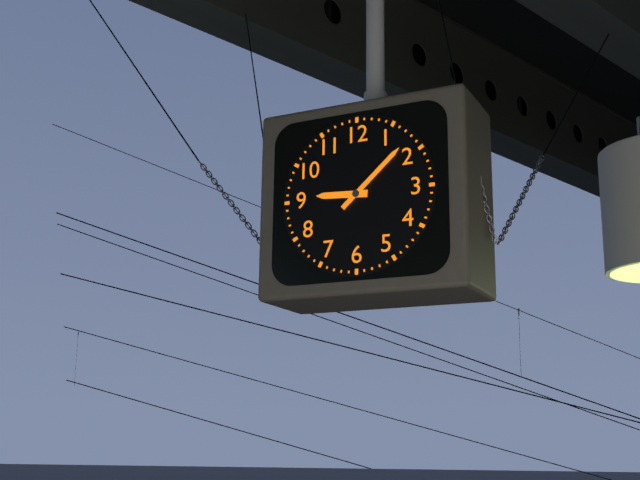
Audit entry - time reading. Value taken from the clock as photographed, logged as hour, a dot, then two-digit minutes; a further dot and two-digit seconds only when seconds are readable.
9.08
